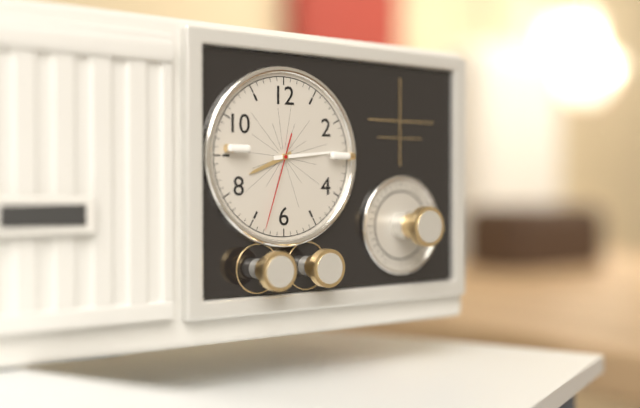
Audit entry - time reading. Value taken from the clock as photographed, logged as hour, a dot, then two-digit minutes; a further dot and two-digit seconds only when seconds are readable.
8.14.33
